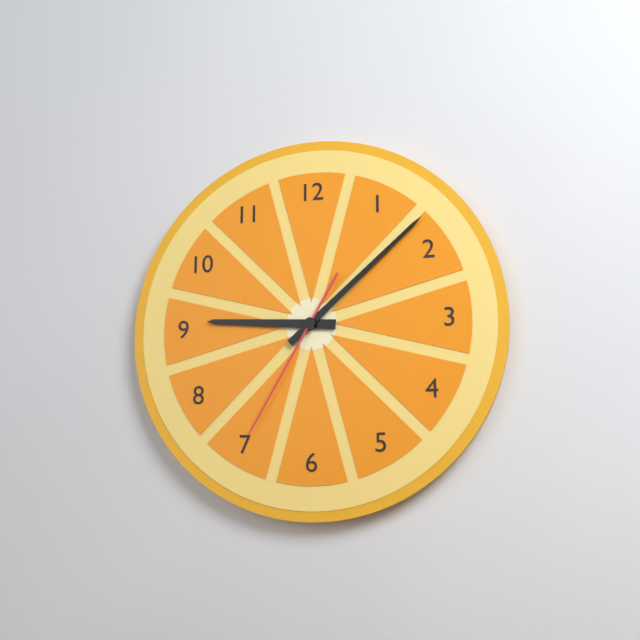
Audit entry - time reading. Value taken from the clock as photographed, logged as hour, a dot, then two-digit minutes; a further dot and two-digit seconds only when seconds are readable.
9.08.35
